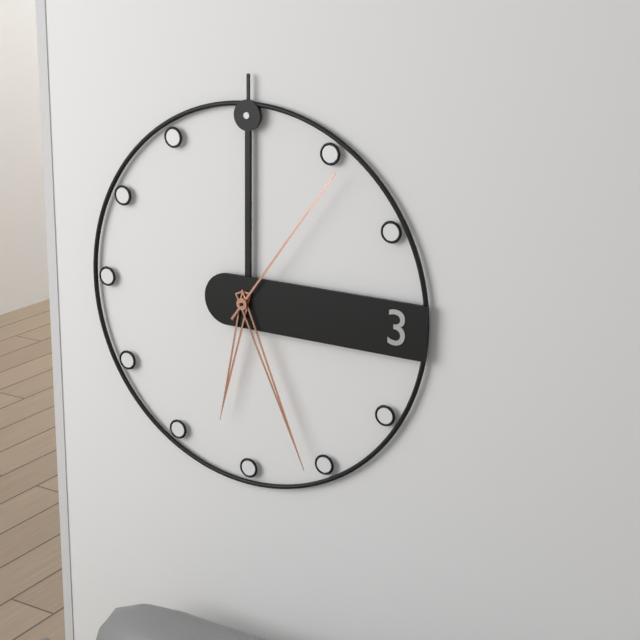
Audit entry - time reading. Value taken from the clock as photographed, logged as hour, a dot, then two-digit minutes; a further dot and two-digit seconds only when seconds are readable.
6.26.06
